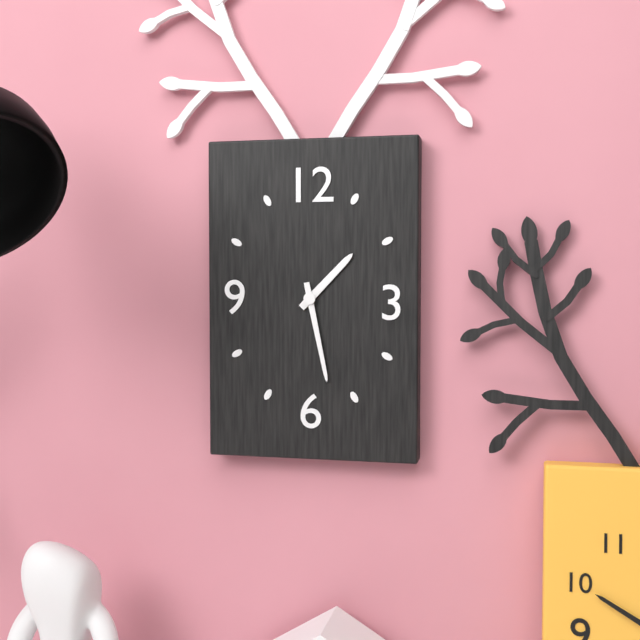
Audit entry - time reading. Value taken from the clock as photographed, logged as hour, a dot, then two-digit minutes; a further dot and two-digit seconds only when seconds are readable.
1.28
